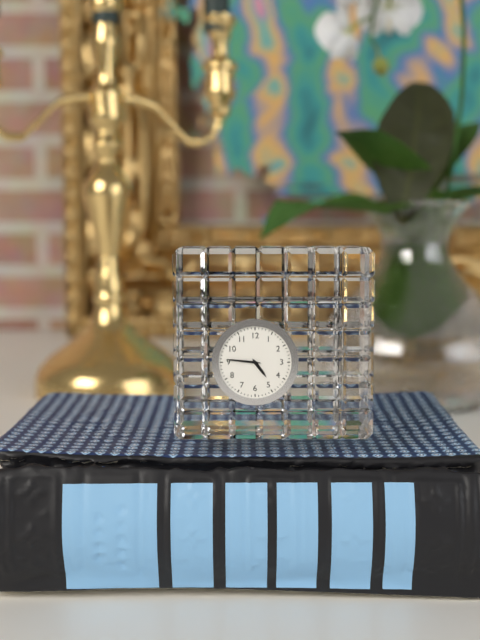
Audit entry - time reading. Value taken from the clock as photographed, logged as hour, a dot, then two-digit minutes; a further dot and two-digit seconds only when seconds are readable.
4.46
